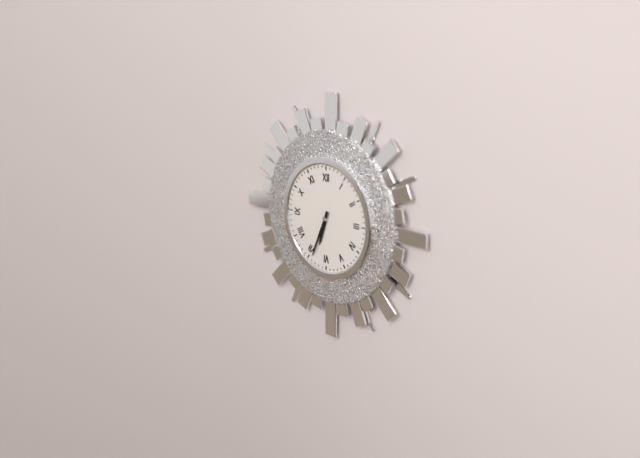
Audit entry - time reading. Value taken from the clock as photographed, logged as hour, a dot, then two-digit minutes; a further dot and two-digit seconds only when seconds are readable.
6.34
